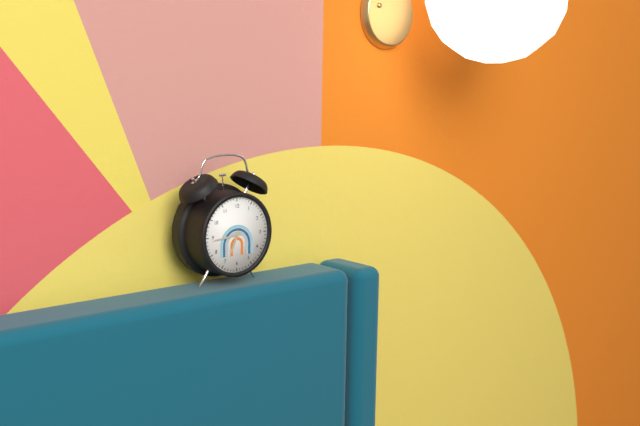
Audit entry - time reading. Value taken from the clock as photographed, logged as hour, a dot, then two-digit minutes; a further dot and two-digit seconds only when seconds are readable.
6.44
